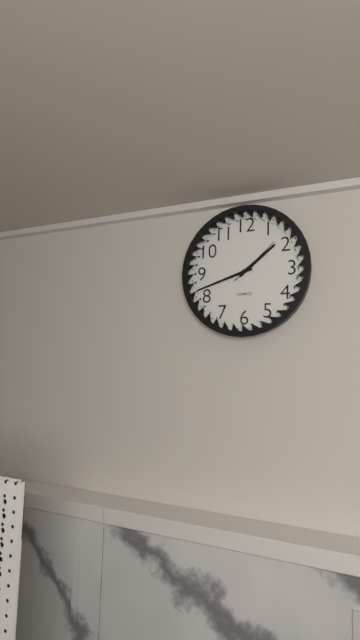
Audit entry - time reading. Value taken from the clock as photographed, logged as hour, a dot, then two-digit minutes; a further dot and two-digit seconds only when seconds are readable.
1.42.08
